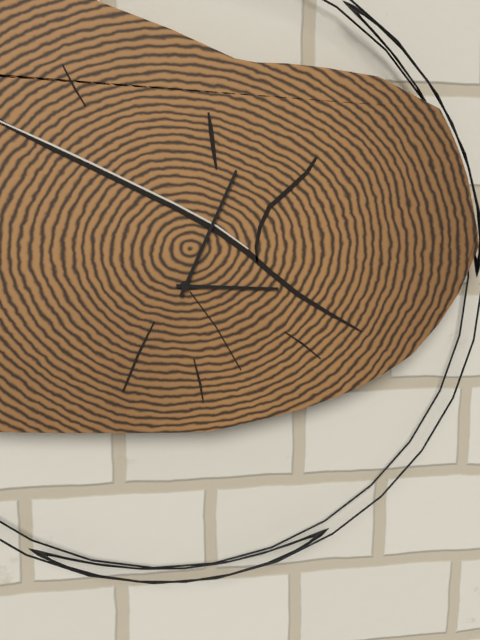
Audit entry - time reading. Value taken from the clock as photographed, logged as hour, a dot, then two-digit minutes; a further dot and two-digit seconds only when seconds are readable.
3.04
